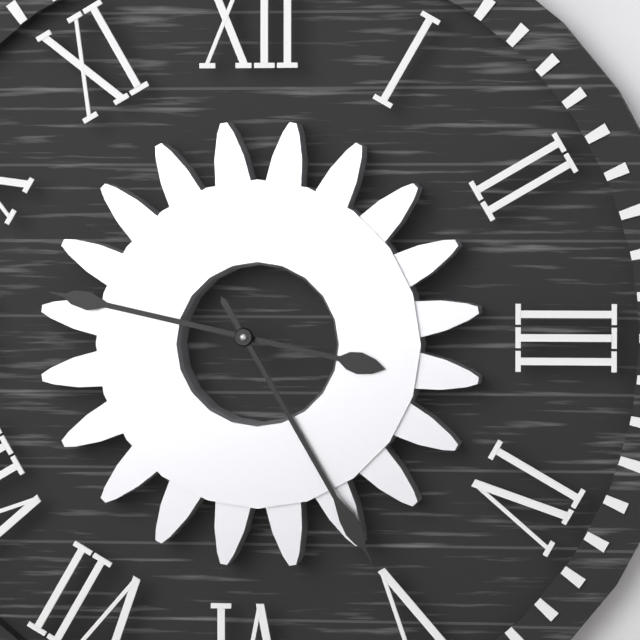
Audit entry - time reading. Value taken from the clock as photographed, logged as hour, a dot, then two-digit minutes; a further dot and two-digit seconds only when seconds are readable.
9.25
